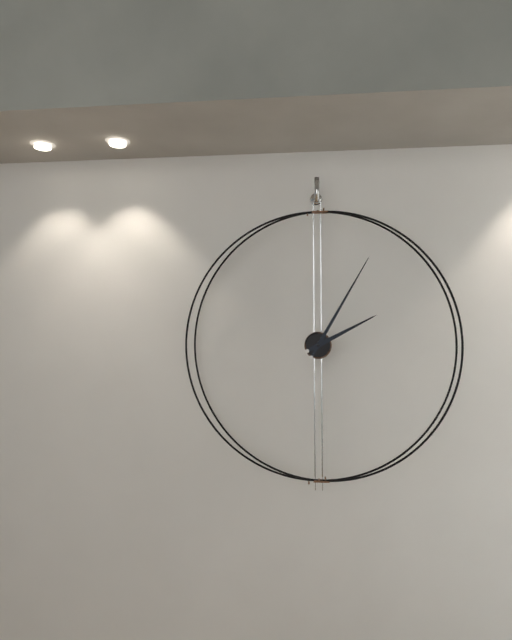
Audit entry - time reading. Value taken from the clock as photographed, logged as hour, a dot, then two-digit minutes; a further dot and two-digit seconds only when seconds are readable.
2.05
